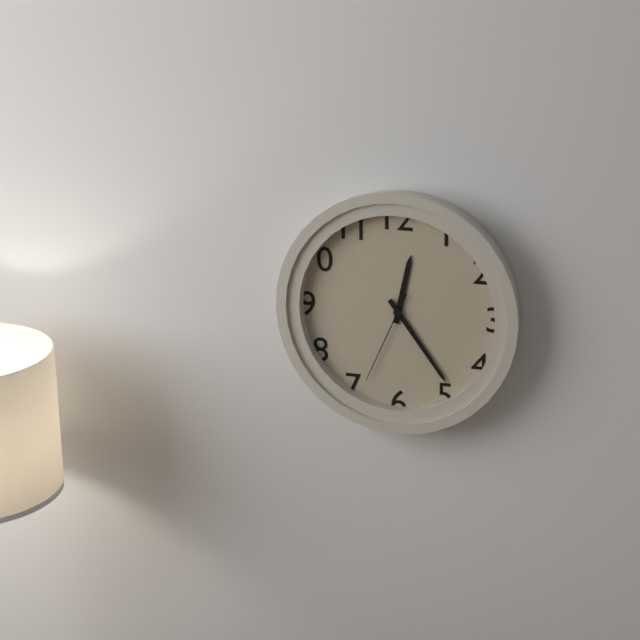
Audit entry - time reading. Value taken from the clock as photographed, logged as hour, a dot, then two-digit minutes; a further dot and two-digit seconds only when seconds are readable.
12.24.34
